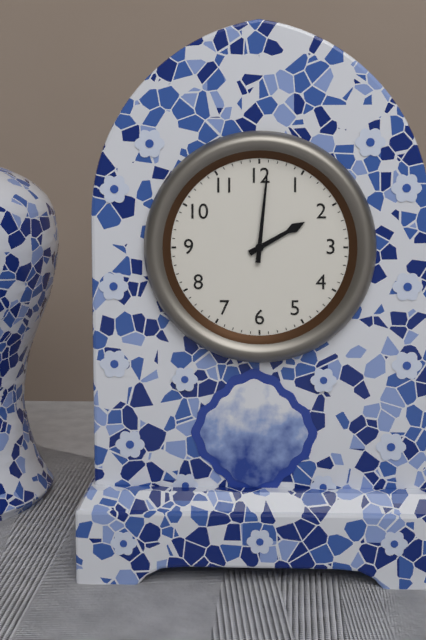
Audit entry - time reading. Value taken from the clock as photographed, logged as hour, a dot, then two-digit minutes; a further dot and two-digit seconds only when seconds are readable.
2.01
